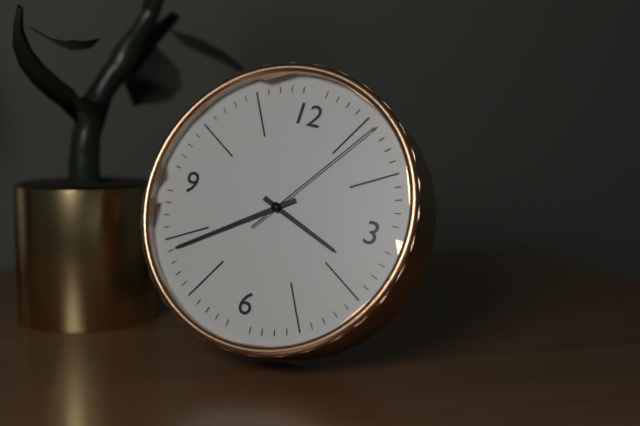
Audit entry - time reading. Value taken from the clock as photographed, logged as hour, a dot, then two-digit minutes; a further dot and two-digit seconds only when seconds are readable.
3.39.06
